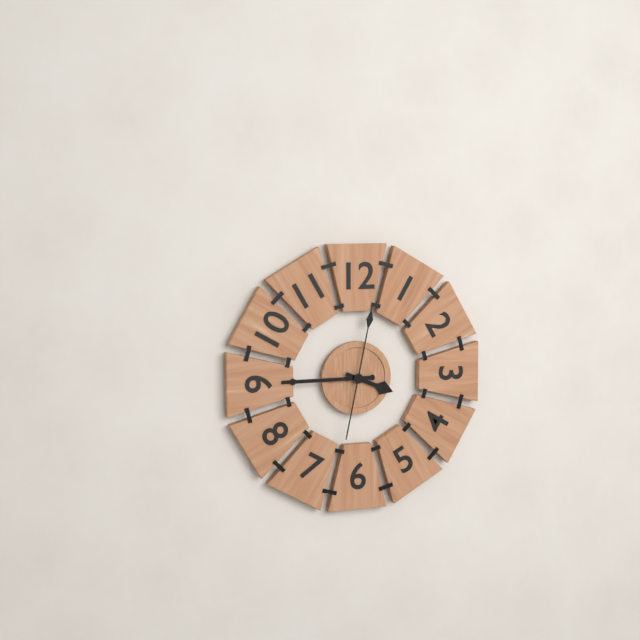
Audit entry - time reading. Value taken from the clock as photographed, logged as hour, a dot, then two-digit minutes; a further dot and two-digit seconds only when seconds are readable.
3.45.02
